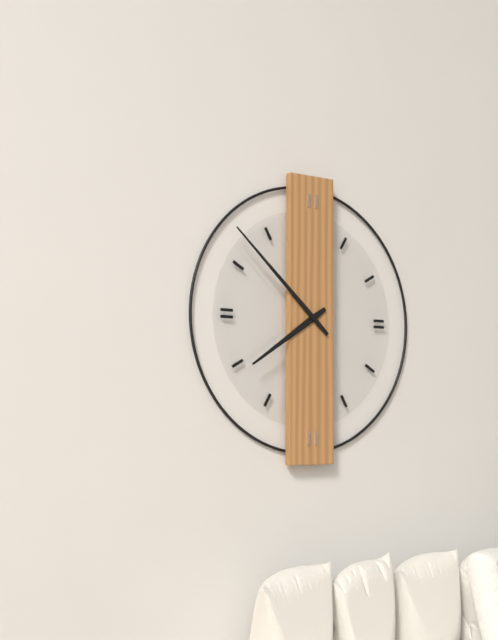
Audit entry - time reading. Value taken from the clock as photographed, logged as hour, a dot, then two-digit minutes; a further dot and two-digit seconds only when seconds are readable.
7.52
